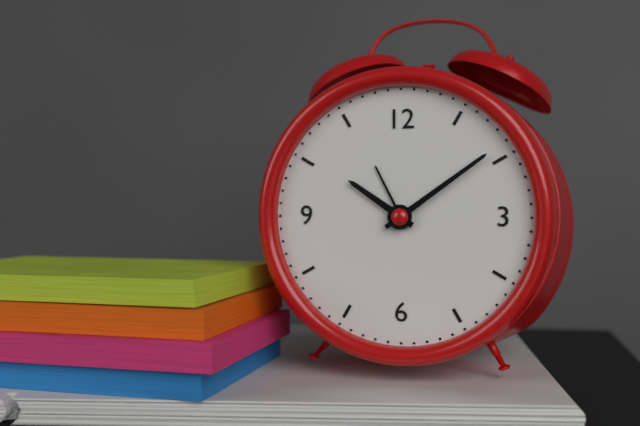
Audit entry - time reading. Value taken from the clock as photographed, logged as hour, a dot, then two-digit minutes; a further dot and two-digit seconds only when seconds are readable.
10.09
